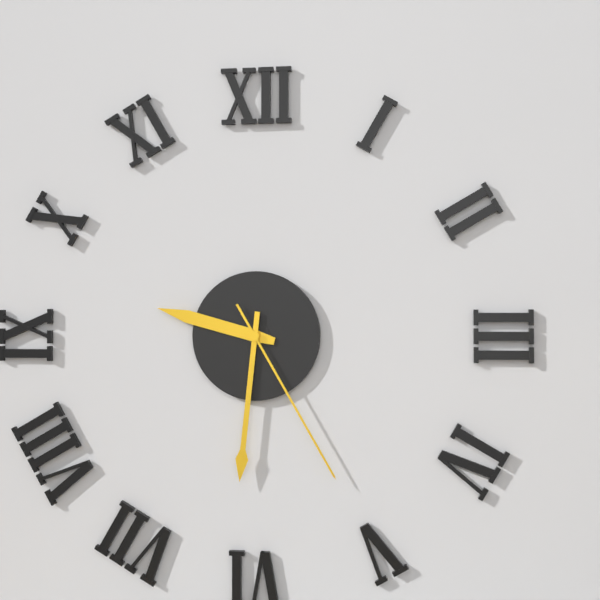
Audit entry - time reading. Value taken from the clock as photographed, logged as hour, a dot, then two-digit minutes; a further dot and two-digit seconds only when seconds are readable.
9.31.25
